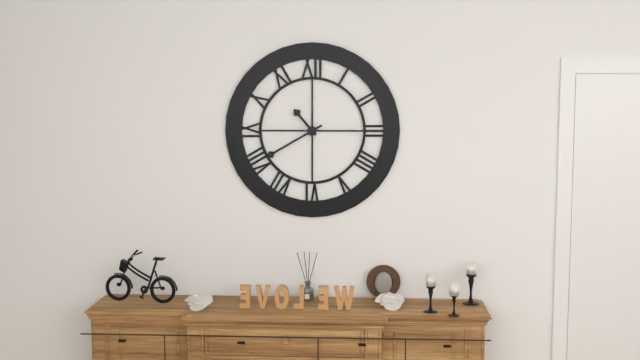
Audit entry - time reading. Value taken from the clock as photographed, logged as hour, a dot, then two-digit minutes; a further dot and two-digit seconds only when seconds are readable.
10.40
